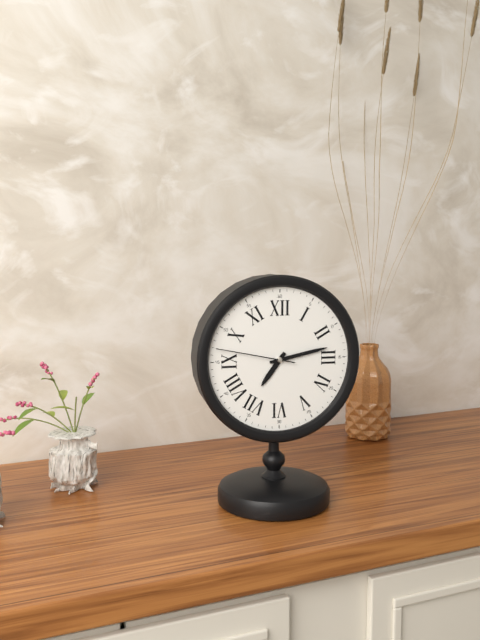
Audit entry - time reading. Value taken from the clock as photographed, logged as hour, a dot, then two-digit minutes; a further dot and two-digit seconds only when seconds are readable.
7.13.47
